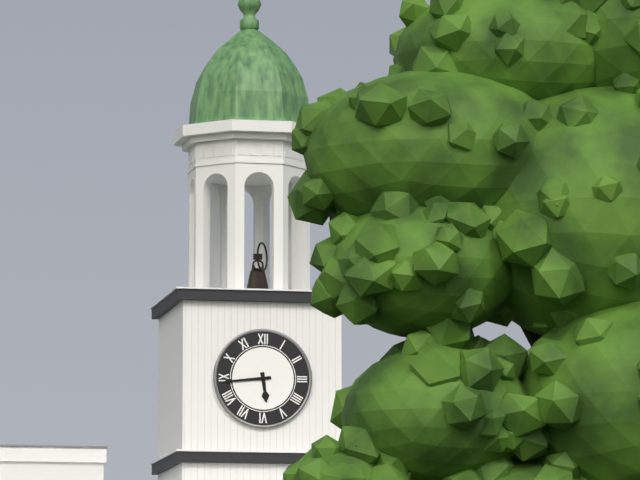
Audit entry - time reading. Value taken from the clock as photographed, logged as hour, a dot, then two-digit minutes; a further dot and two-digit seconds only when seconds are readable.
5.44
